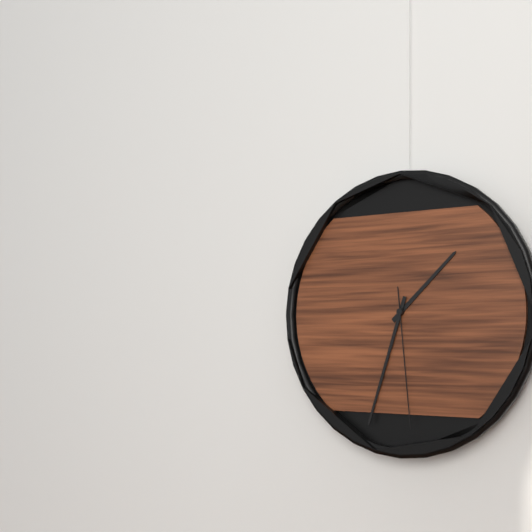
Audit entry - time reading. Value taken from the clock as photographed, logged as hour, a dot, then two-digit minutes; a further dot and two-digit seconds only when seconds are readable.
1.33.29
